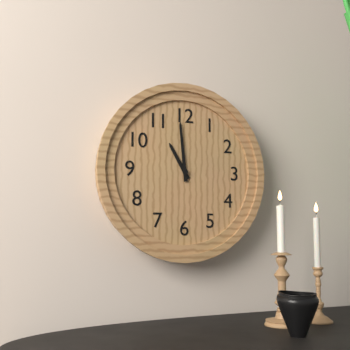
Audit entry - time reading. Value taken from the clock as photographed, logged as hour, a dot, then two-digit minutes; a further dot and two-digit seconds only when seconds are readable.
10.59
